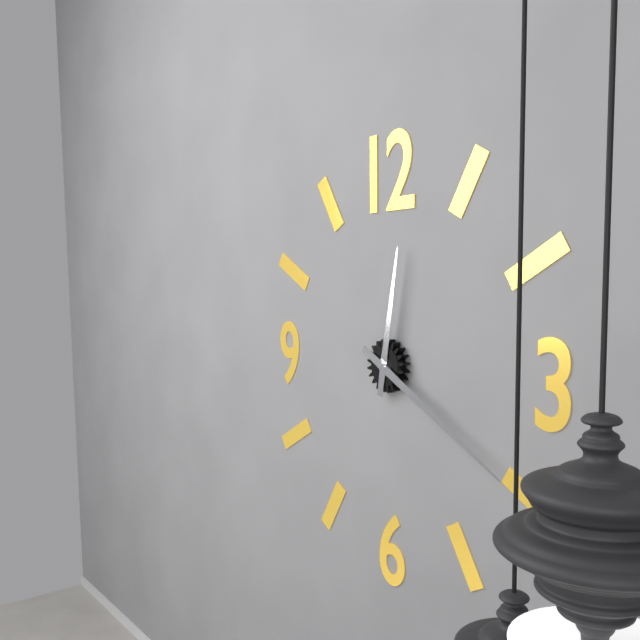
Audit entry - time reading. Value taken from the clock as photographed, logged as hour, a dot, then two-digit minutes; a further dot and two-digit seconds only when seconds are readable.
12.20
